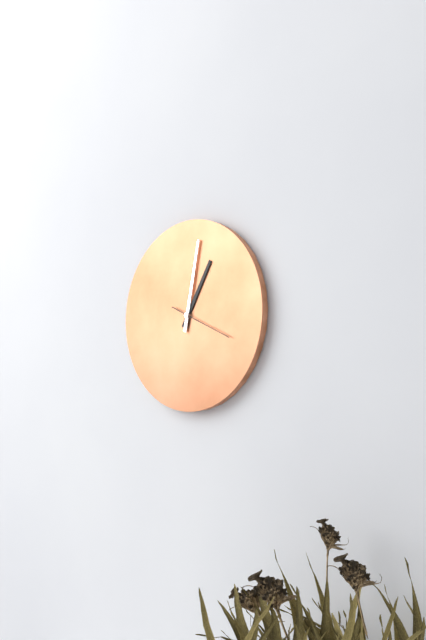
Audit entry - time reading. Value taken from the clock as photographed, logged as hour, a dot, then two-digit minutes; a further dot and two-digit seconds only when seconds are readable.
1.02.19
